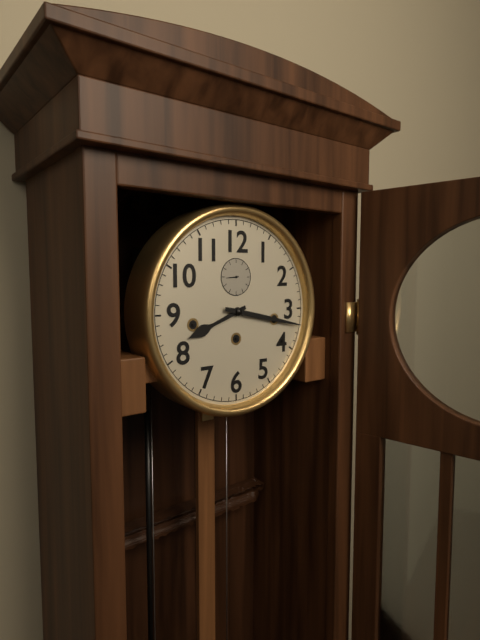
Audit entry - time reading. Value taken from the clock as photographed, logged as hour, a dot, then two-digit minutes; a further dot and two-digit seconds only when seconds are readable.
8.17
